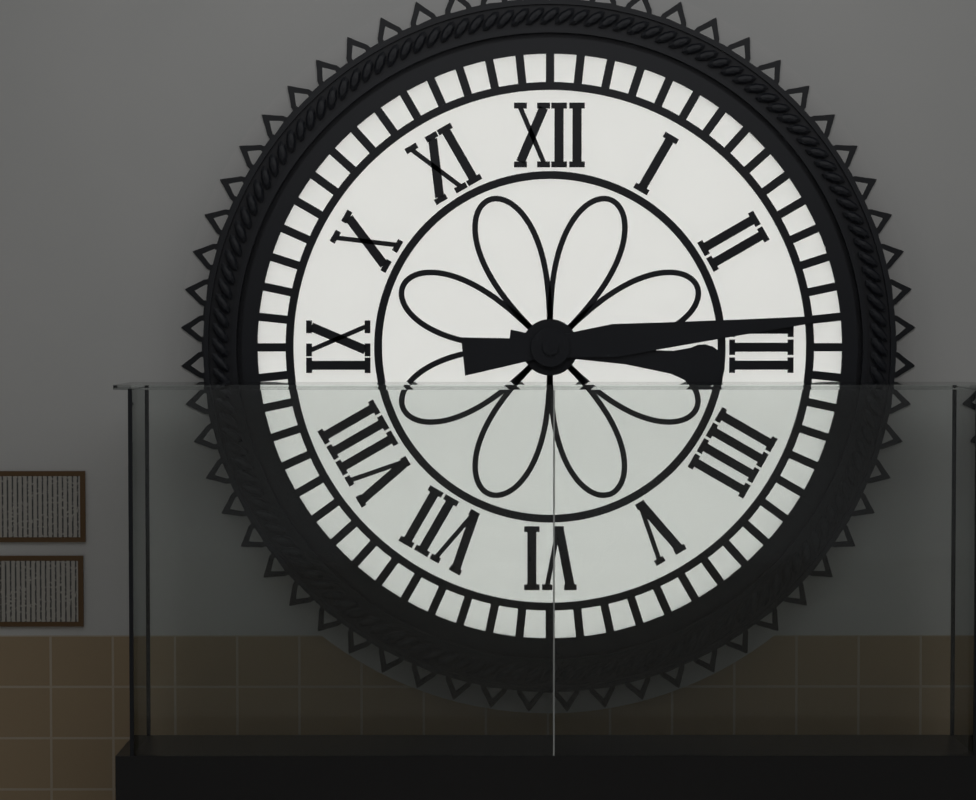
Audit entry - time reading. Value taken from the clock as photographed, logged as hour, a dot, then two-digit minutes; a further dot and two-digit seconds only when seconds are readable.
3.14
